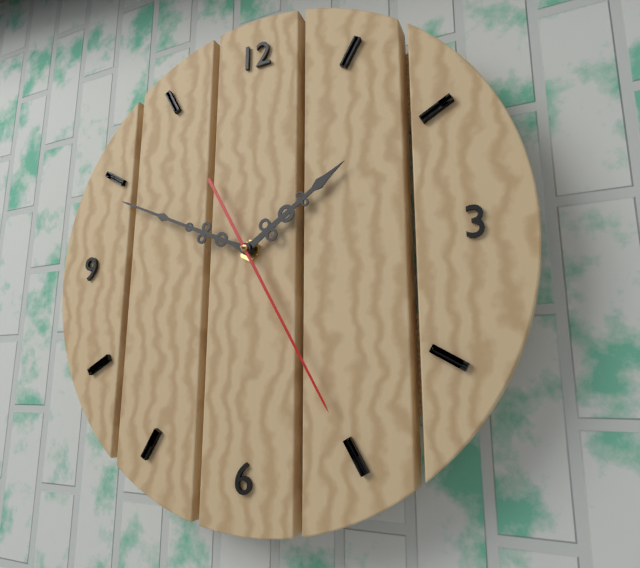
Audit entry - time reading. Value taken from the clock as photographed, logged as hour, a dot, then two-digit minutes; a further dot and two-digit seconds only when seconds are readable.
1.49.25
